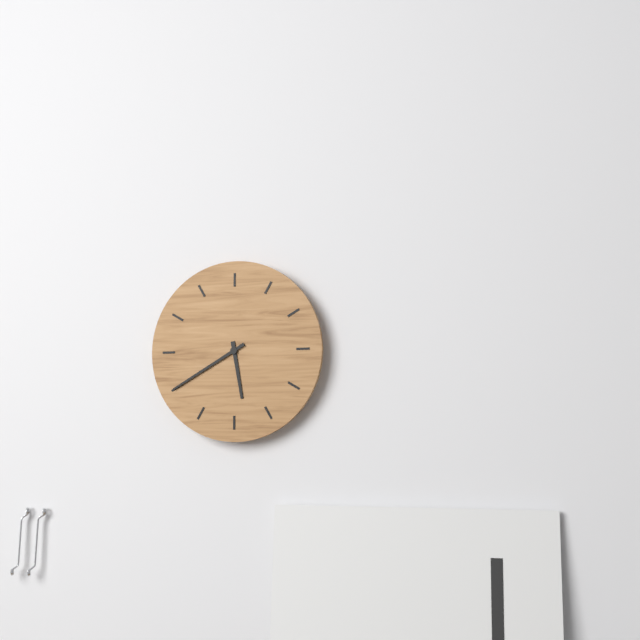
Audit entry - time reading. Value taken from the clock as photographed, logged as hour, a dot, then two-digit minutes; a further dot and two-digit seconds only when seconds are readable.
5.40
